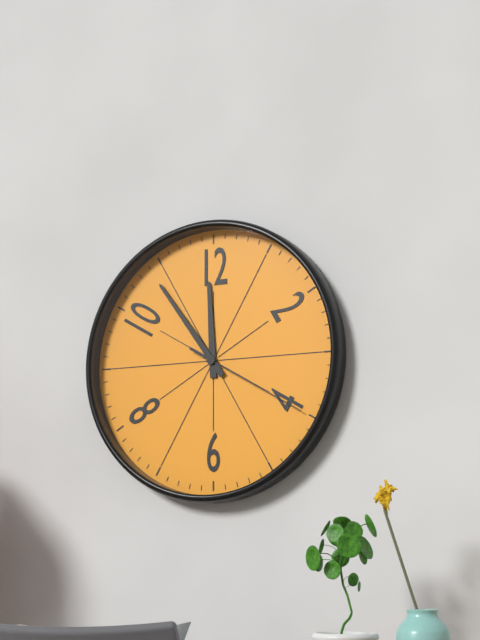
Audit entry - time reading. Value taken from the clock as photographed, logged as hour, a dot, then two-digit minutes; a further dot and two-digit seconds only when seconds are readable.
11.54.20
